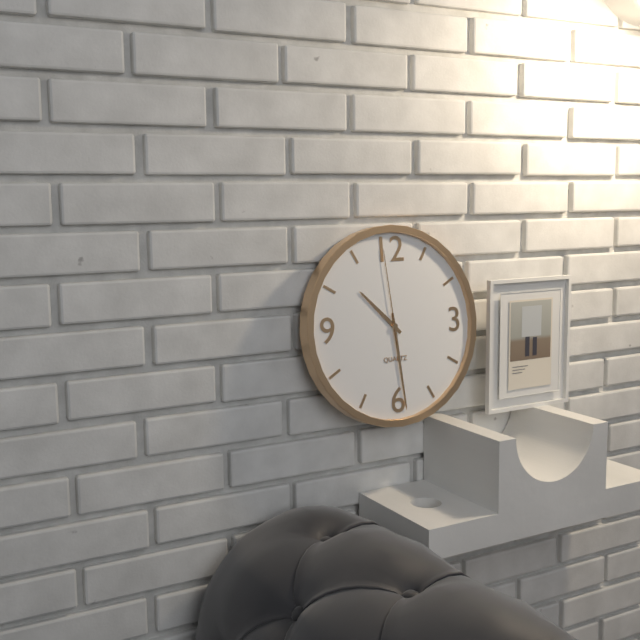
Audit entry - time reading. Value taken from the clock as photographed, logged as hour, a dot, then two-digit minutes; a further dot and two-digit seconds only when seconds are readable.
10.29.59
